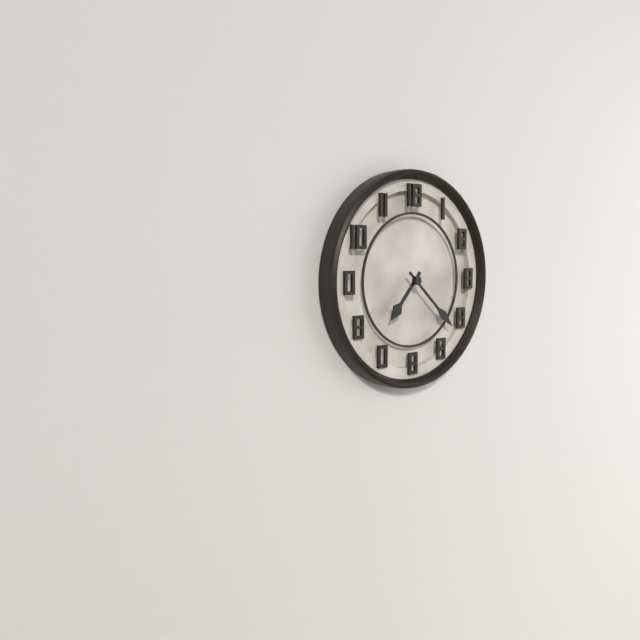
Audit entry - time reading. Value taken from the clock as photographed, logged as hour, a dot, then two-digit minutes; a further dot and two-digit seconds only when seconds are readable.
7.22
